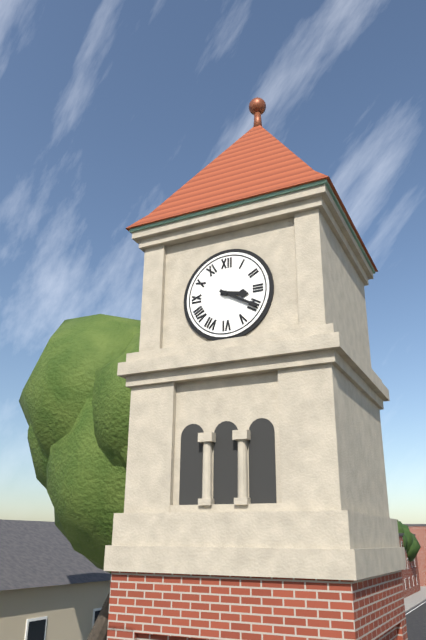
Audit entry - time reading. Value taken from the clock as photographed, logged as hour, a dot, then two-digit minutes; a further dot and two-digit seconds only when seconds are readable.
3.20
